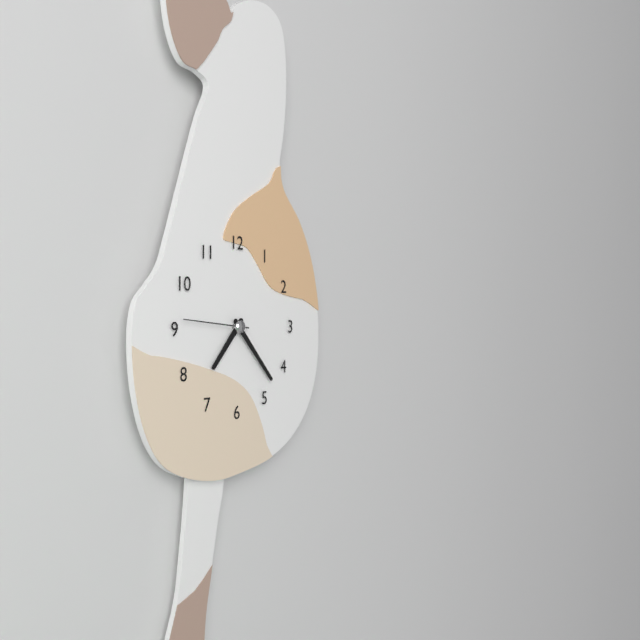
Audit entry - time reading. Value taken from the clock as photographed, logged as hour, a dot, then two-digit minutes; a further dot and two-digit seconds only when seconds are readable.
7.23.46
